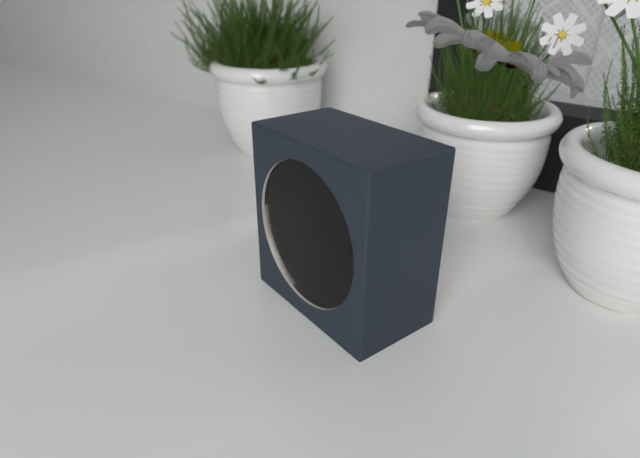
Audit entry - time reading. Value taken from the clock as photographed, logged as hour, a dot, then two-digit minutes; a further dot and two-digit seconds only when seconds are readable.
2.12.18
